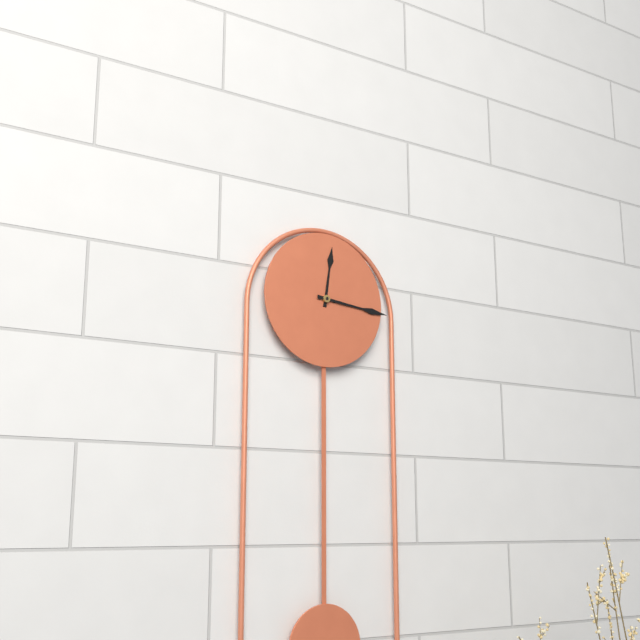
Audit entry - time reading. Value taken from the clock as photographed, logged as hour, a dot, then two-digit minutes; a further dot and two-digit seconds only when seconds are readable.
12.16
